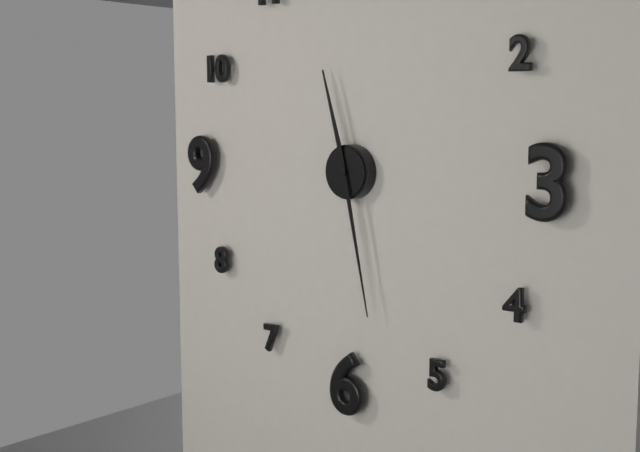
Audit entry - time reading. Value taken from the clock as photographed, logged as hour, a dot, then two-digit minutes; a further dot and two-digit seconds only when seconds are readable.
11.28
